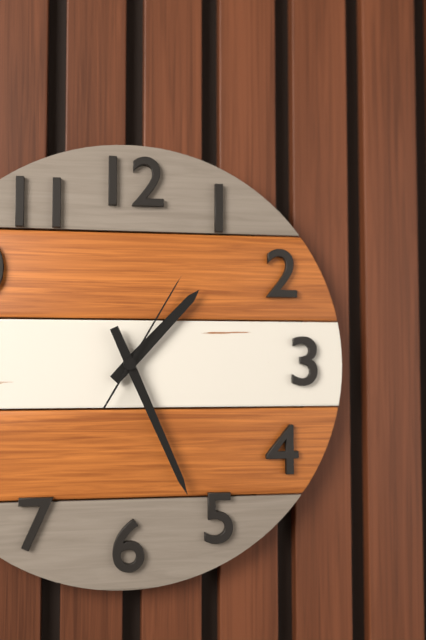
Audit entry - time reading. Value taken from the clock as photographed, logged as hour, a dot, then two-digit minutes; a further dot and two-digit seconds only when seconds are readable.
1.26.05
